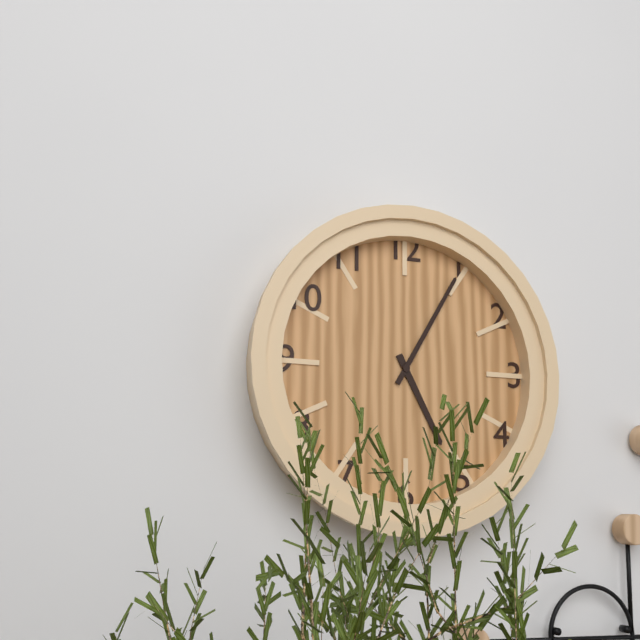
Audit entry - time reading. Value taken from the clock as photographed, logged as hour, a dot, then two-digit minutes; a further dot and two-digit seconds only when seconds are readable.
5.05
